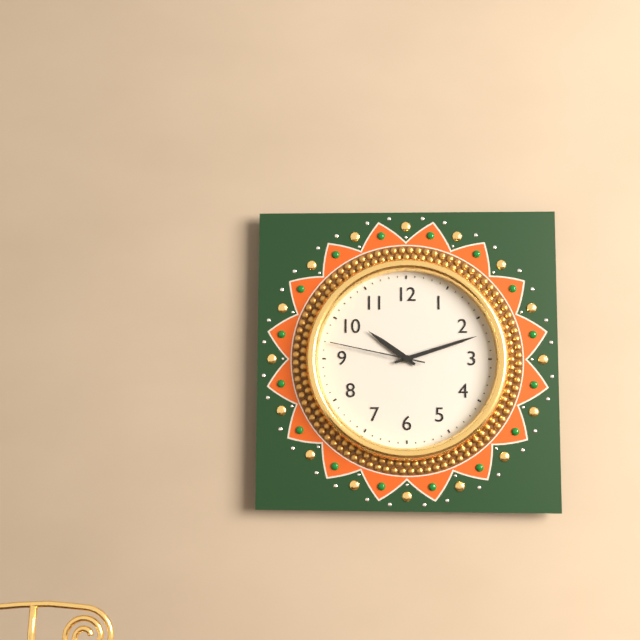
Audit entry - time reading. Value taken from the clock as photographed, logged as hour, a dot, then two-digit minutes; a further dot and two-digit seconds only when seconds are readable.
10.12.47
